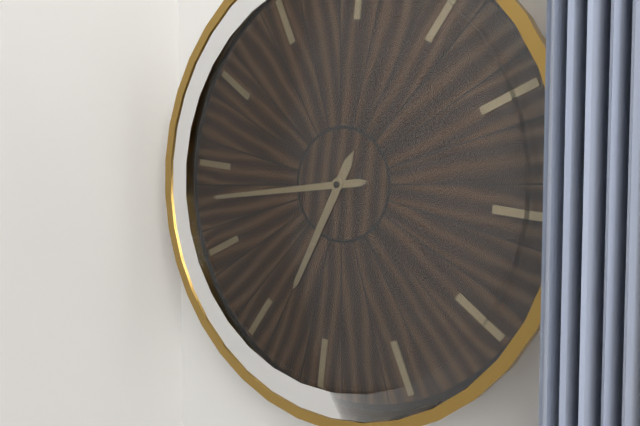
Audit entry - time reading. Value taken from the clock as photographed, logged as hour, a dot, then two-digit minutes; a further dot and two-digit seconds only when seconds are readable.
6.43
